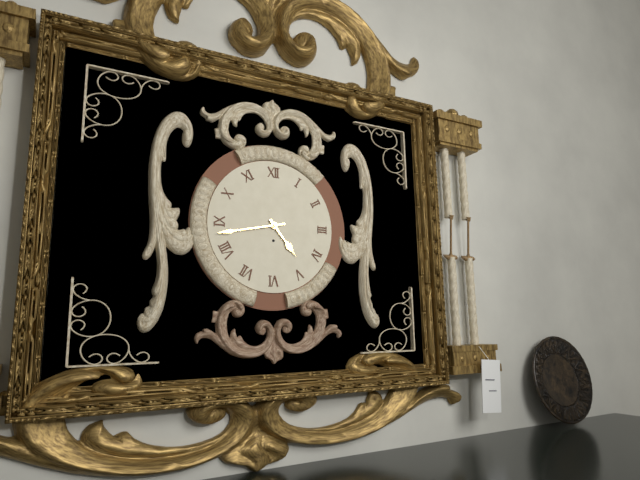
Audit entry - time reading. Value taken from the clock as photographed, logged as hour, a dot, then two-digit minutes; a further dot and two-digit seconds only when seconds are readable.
4.43
